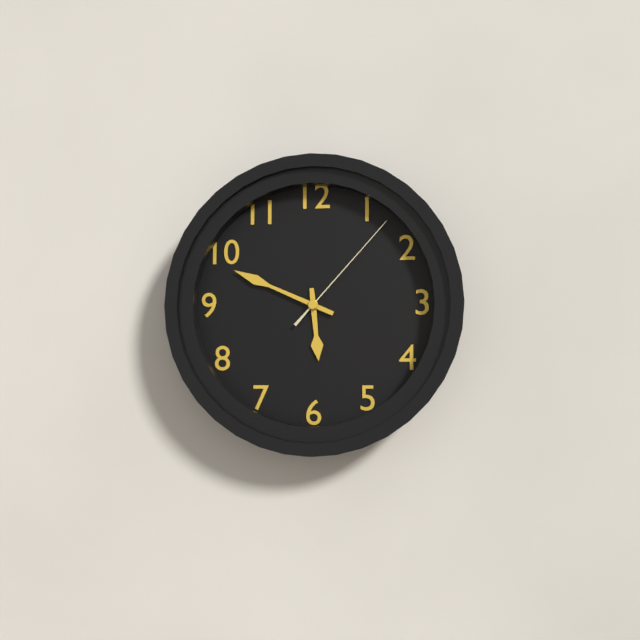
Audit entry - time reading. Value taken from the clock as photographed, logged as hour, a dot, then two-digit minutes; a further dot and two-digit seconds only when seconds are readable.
5.49.07
